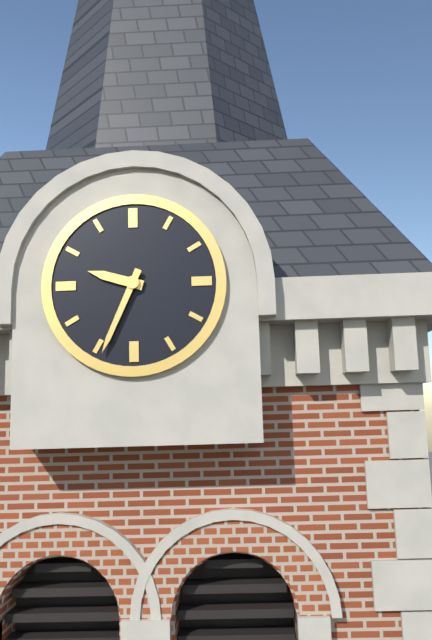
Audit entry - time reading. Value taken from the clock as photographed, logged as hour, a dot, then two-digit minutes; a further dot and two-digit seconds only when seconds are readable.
9.34
